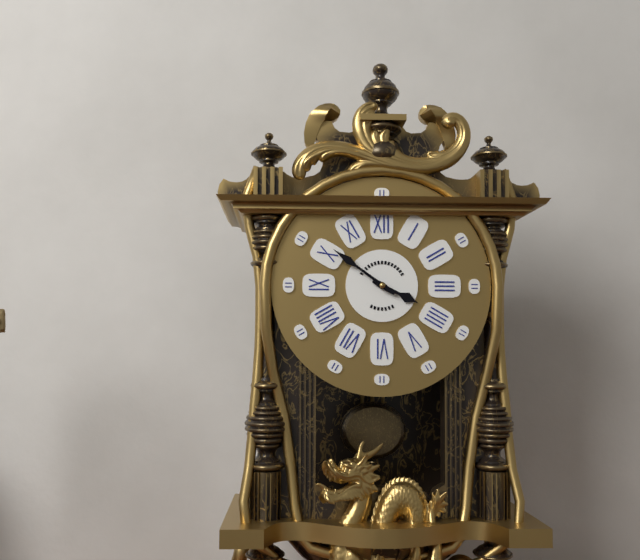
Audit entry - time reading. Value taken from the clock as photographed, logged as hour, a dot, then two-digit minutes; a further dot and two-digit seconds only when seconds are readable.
3.51
